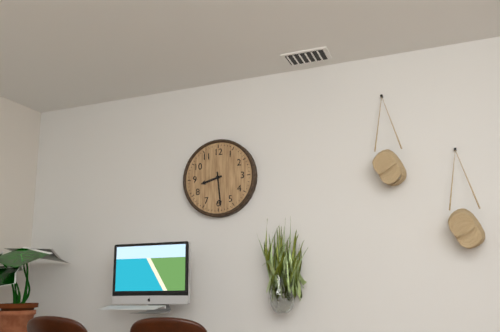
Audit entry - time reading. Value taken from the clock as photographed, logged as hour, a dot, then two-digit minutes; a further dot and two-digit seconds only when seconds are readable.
8.29
